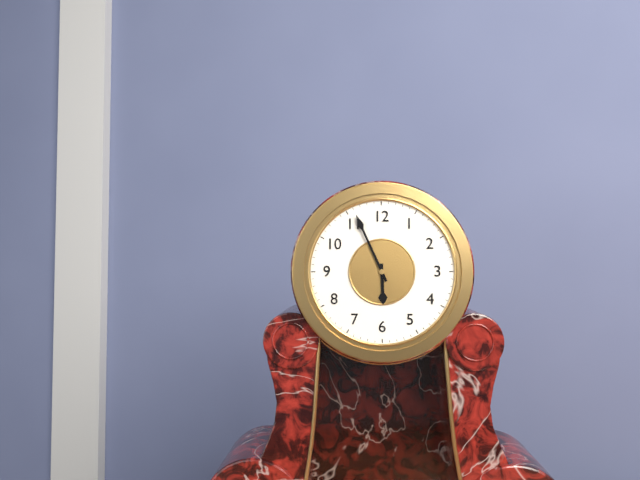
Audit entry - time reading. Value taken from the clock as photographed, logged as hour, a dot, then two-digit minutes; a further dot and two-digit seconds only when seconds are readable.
5.56
